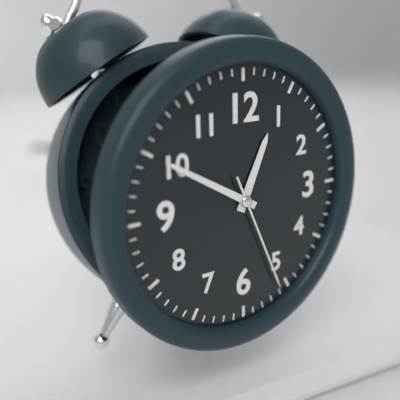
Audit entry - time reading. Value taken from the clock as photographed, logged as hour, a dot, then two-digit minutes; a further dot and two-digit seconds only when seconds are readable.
12.50.26
